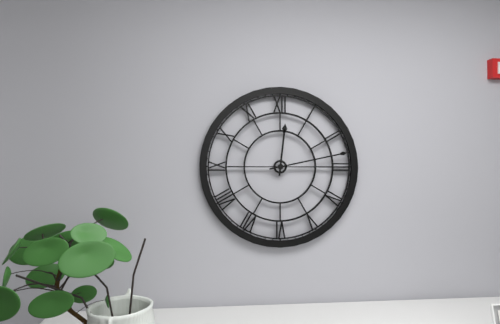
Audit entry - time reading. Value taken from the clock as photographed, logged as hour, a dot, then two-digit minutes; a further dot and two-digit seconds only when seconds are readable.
12.13
